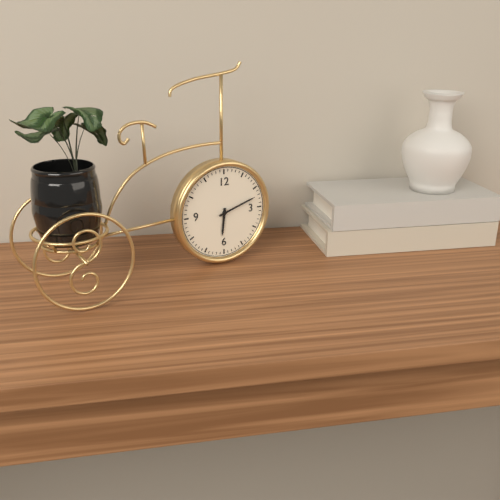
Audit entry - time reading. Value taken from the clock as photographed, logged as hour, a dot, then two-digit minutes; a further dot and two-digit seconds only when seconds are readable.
6.12
